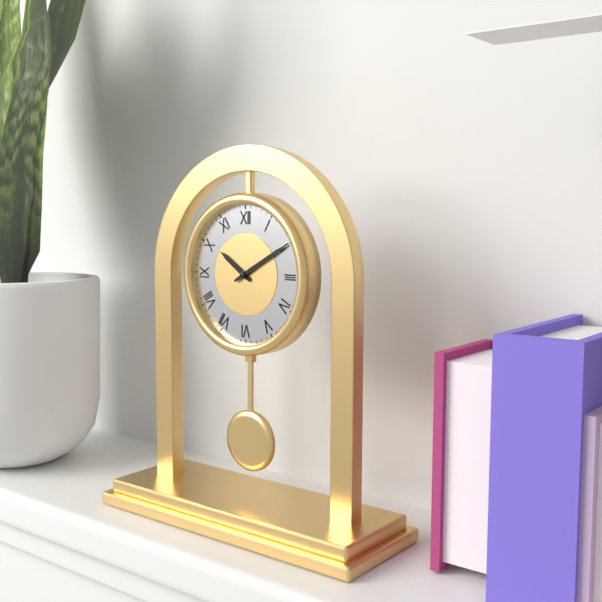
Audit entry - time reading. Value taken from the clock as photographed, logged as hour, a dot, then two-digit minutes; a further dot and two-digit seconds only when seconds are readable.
10.10
